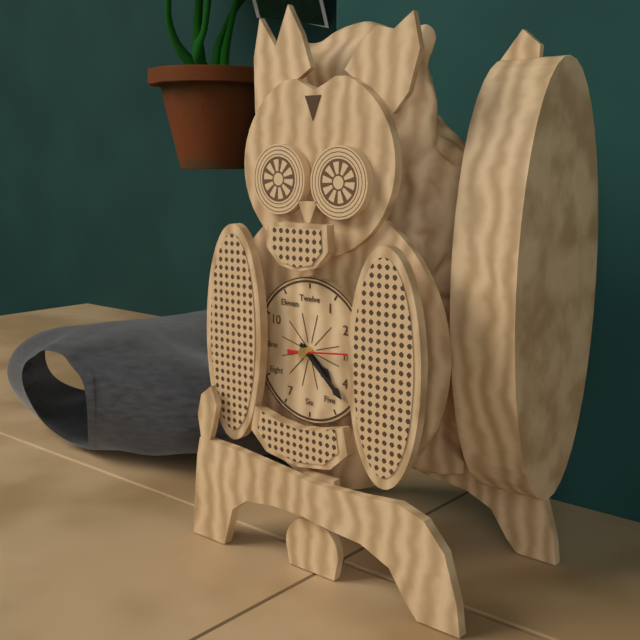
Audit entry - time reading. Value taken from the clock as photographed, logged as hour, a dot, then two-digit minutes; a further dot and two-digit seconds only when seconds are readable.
4.22.14
